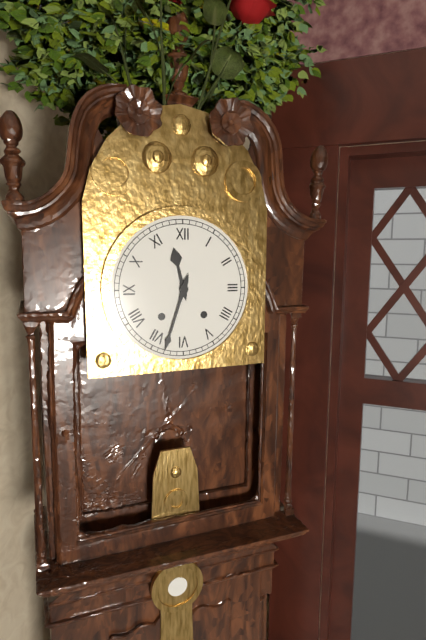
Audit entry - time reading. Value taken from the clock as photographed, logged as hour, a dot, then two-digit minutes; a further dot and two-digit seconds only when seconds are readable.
11.33
